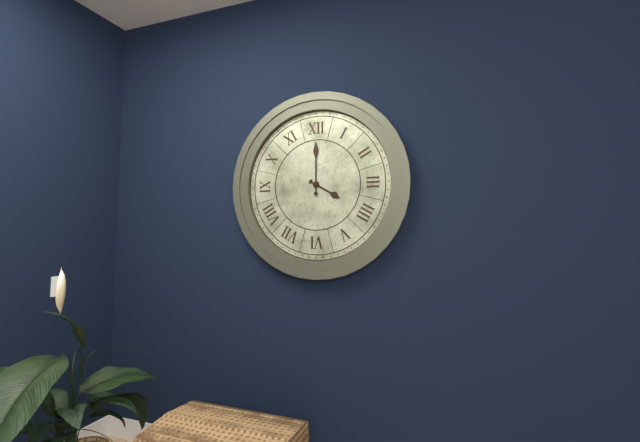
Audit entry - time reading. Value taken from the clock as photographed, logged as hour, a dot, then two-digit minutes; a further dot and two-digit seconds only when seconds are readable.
4.00
